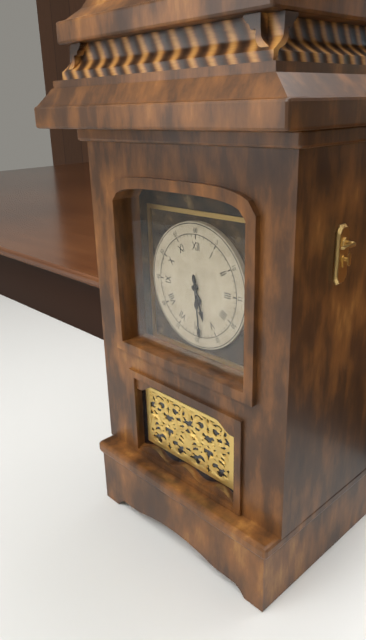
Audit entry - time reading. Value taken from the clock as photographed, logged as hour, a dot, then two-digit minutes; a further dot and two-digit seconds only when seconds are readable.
5.29
